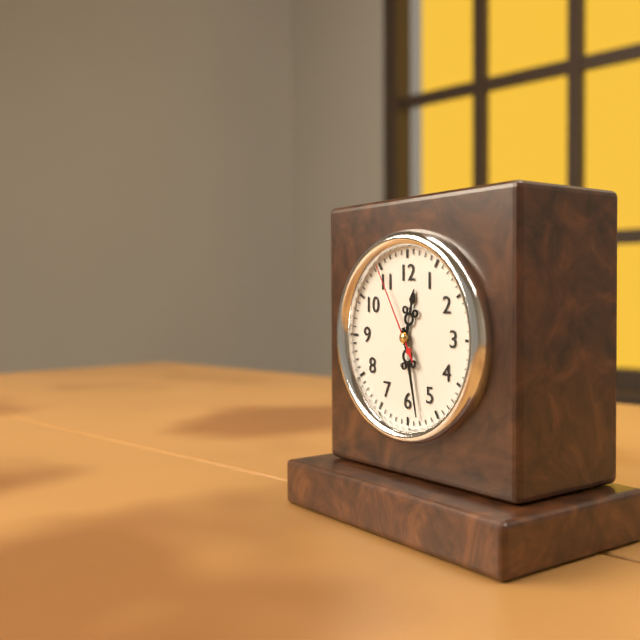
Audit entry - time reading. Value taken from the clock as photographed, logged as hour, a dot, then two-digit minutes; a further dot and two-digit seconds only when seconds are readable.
12.28.55
